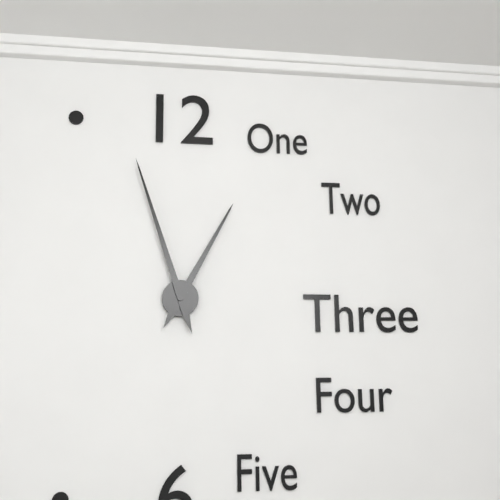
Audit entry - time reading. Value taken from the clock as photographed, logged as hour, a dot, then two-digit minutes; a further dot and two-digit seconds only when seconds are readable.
12.57
